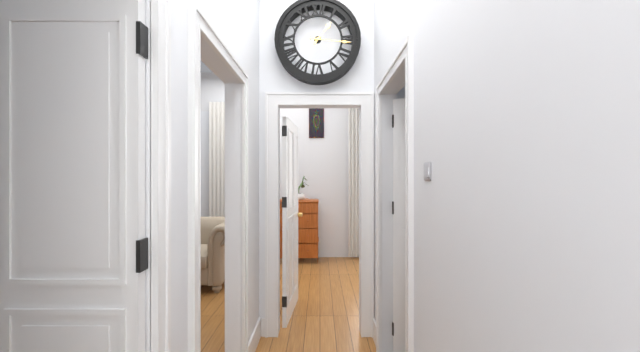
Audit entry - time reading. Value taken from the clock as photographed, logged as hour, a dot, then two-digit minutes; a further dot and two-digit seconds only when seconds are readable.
1.16
